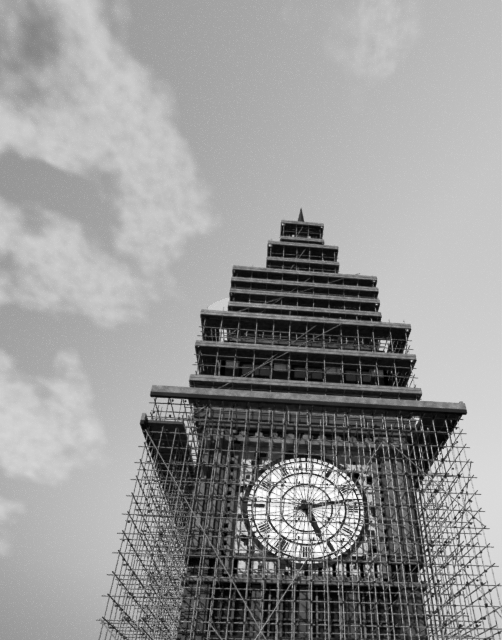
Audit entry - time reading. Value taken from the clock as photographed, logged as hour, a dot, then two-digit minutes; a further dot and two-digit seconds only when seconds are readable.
5.13
